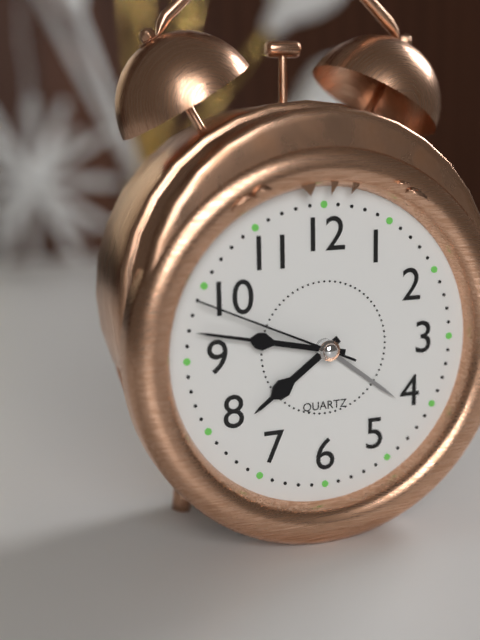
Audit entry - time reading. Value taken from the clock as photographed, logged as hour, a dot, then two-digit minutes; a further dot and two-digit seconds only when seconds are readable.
7.47.49
